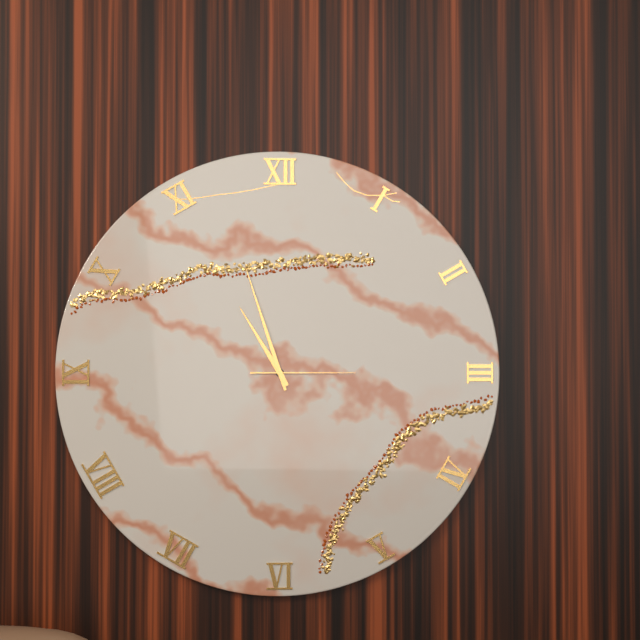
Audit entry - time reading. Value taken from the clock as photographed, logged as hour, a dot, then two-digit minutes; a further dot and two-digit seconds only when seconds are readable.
10.57.15
